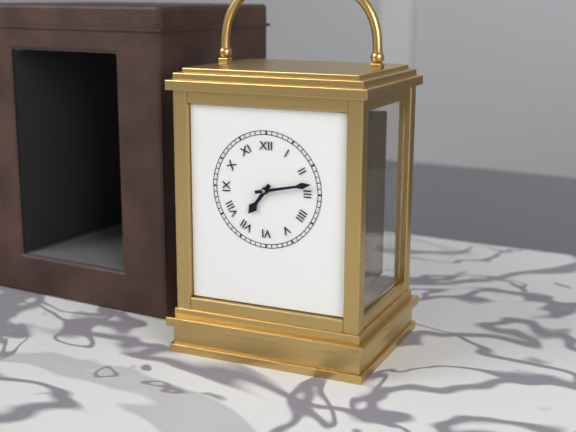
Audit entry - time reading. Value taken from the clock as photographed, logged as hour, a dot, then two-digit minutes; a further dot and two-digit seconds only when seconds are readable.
7.13
